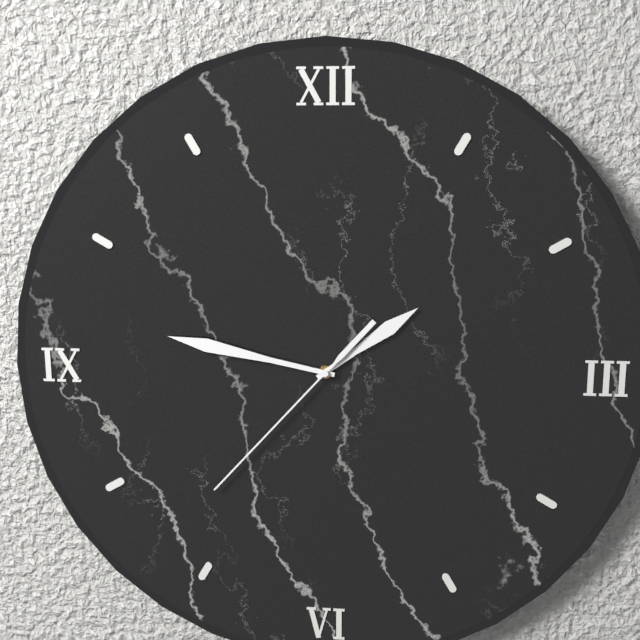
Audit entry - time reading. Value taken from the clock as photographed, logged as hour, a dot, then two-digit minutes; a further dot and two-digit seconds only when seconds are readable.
1.47.37
